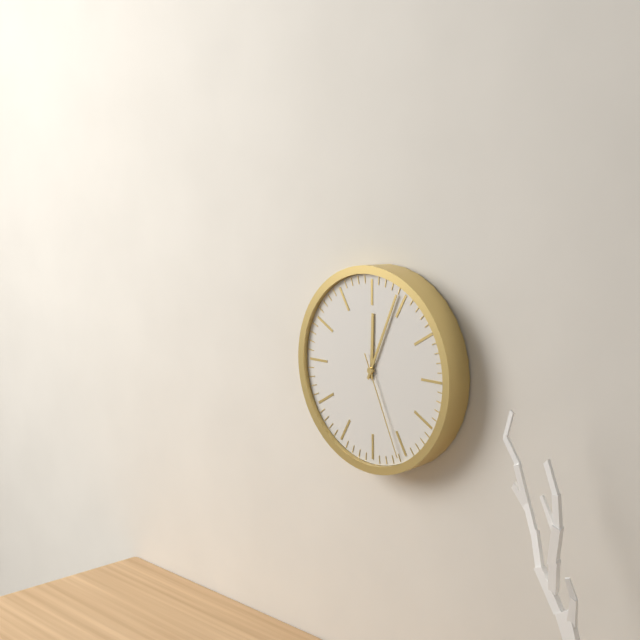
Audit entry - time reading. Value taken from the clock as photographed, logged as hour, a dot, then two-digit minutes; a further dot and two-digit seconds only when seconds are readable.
12.04.26
